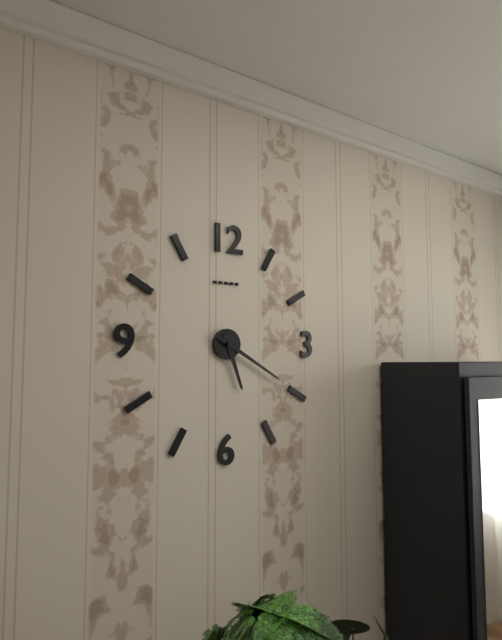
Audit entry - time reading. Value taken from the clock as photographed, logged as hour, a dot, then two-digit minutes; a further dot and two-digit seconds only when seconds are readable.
5.20
